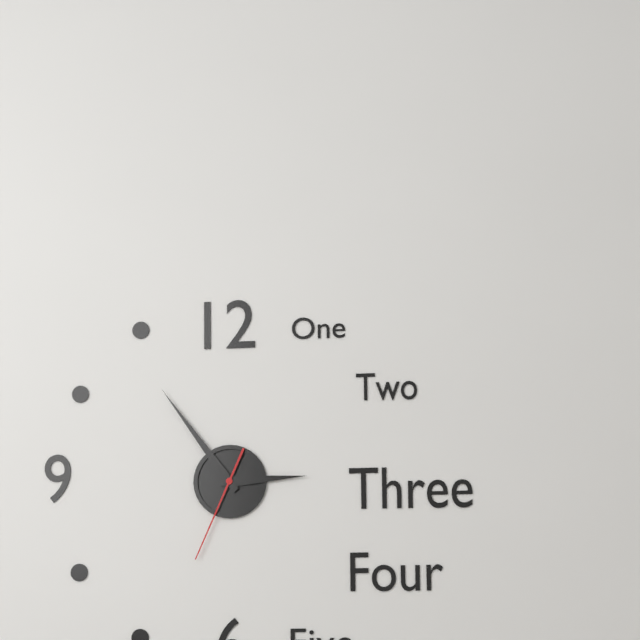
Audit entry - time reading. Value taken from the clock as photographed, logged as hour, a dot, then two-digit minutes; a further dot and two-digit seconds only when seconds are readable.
2.54.34
